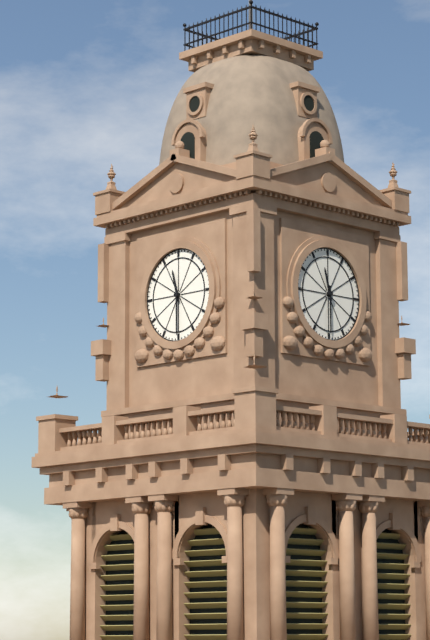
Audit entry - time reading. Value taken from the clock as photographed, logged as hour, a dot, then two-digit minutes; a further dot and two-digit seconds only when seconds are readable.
11.30
